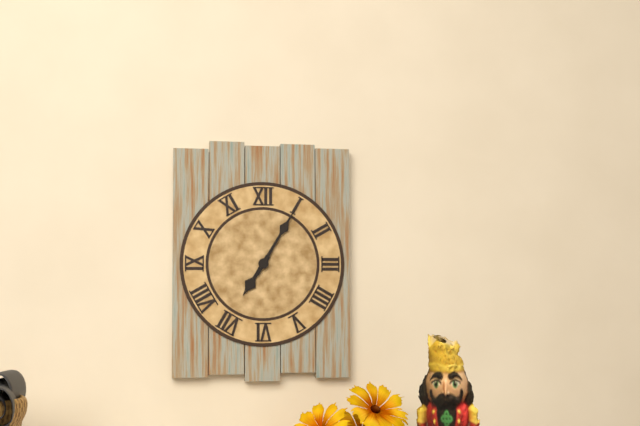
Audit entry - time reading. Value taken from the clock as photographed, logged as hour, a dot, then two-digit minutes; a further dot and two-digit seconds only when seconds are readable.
7.05
